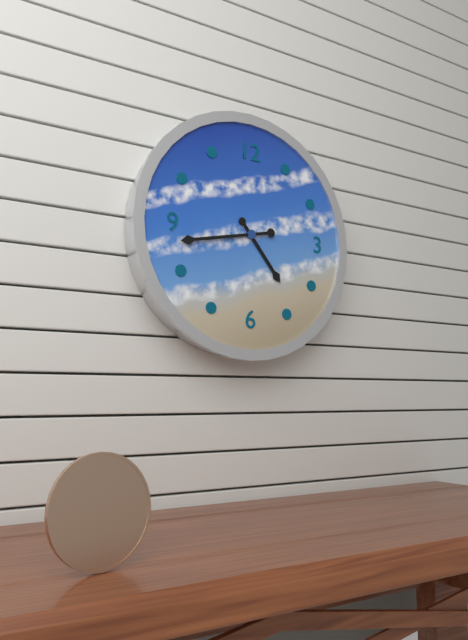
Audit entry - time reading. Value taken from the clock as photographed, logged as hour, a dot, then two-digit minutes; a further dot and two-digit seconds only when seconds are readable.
4.43
